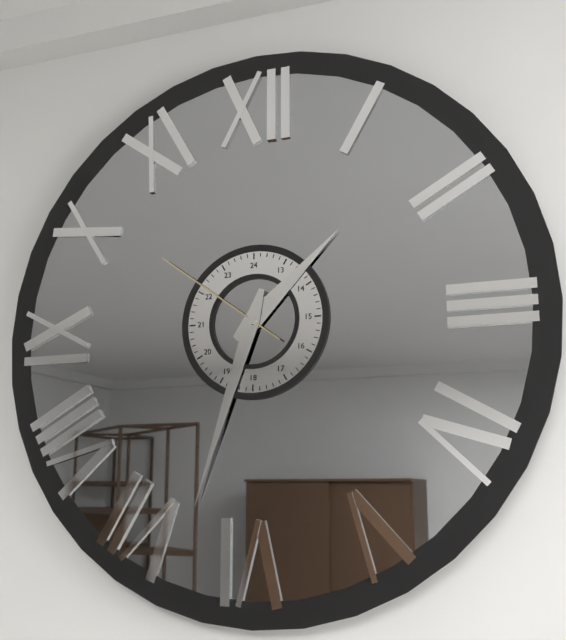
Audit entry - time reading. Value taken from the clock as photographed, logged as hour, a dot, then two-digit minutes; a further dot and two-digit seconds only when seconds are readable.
1.33.51
